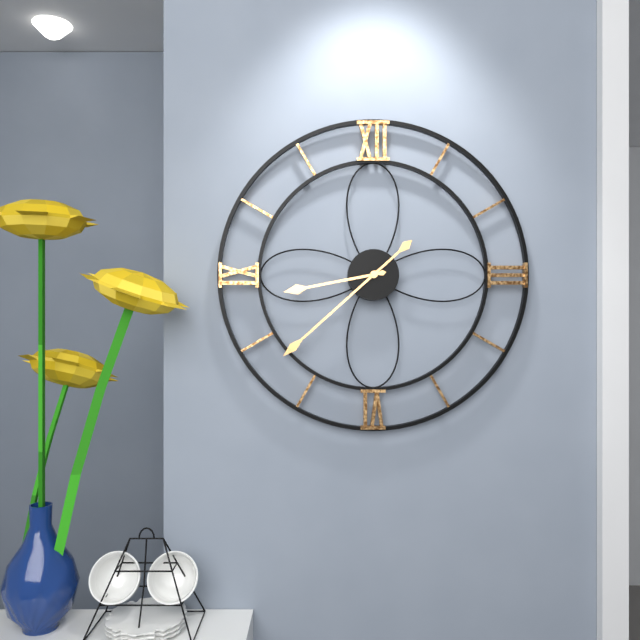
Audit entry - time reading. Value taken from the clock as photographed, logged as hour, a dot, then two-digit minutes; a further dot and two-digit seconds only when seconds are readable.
8.38
